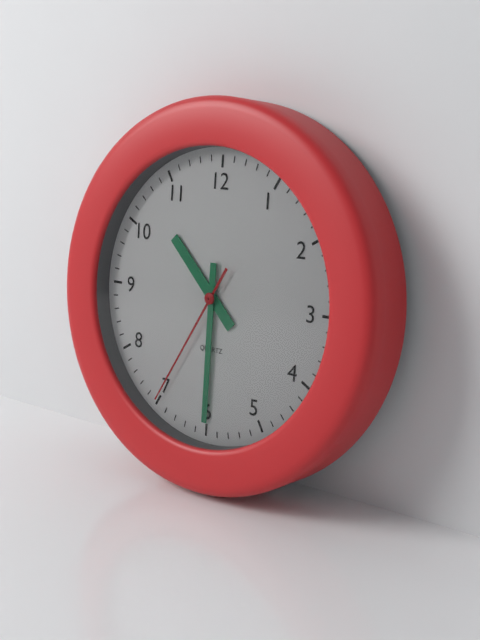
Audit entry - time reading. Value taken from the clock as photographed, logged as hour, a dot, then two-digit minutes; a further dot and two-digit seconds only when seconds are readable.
10.30.35
